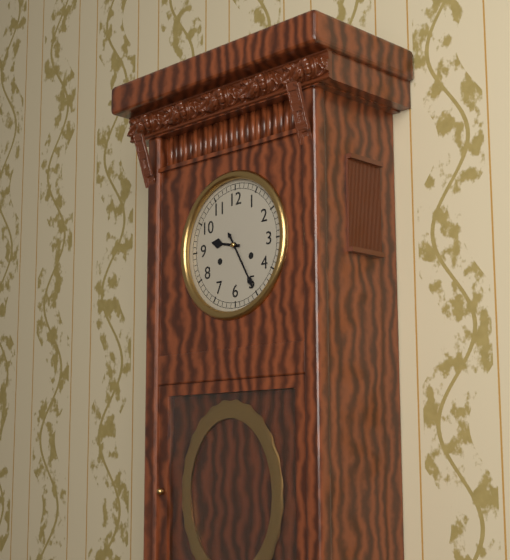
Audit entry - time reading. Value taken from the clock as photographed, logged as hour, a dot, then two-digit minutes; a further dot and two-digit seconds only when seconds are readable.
9.25
